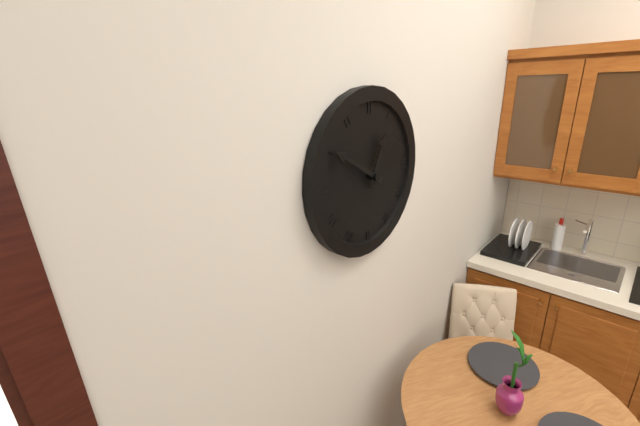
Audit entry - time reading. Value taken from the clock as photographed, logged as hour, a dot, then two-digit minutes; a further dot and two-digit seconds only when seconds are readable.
12.50
